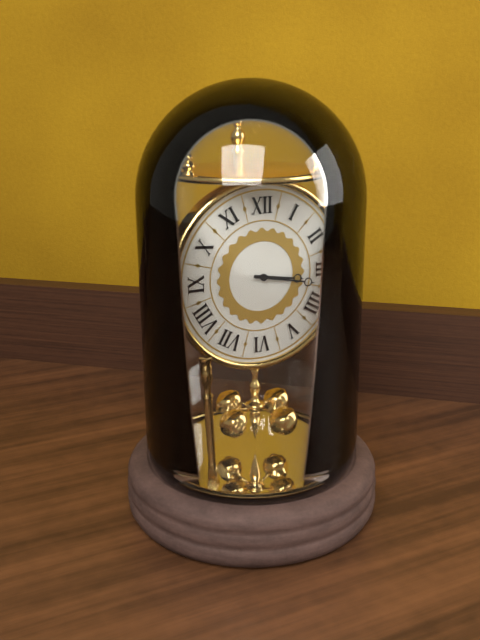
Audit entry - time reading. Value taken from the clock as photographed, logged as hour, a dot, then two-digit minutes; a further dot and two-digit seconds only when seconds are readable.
3.17
